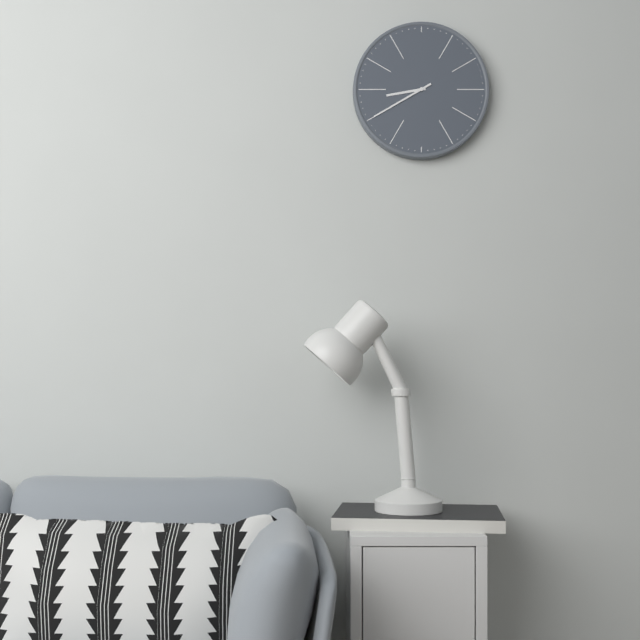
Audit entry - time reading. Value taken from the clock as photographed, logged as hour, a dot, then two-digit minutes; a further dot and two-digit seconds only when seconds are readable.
8.40
